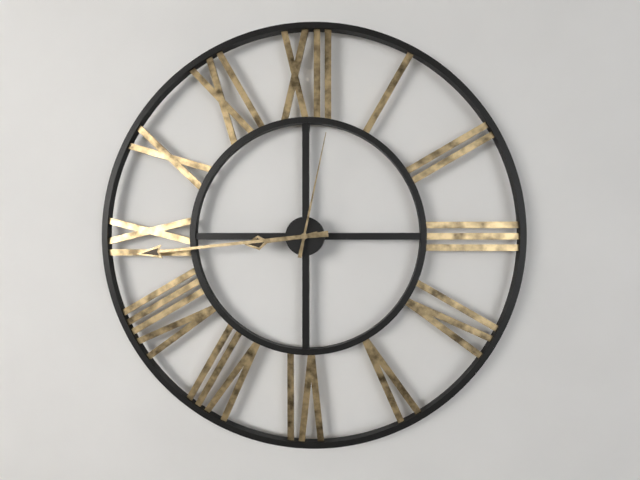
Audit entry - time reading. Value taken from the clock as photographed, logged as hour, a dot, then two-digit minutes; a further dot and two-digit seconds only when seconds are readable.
8.44.02
